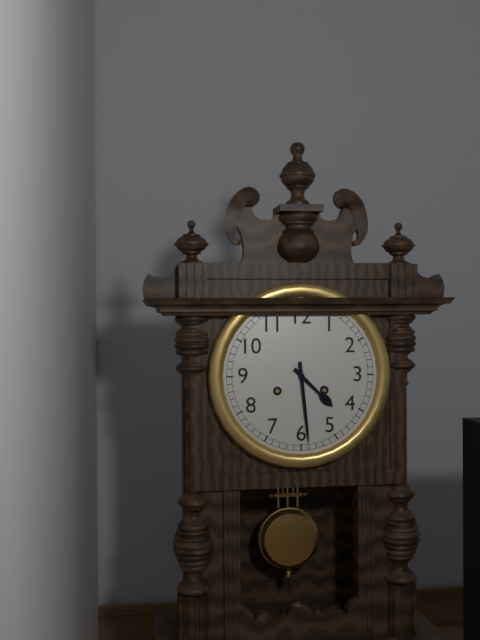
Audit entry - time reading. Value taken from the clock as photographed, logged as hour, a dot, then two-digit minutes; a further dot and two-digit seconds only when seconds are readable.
4.29
